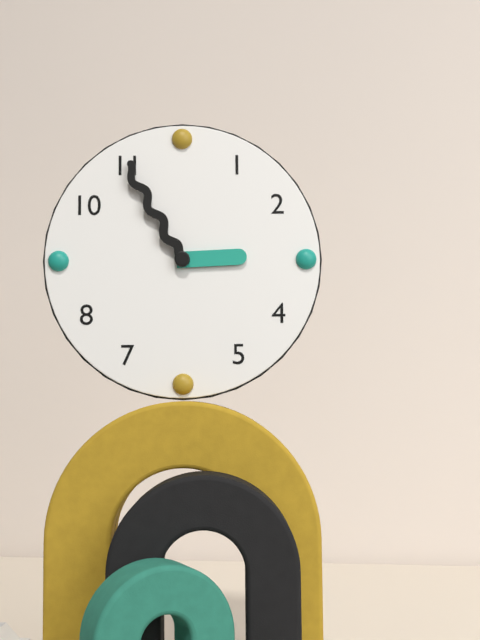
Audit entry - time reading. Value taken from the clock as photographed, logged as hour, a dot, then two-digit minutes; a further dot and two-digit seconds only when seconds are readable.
2.55
